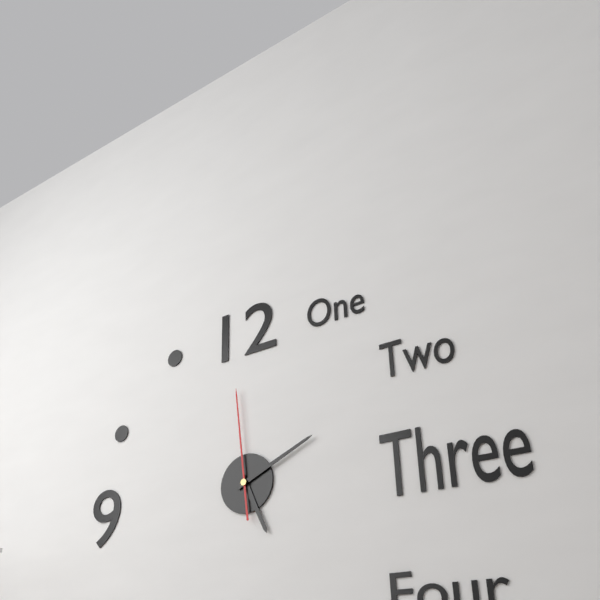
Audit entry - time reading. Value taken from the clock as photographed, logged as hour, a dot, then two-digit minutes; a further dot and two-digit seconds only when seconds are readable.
5.11.59
